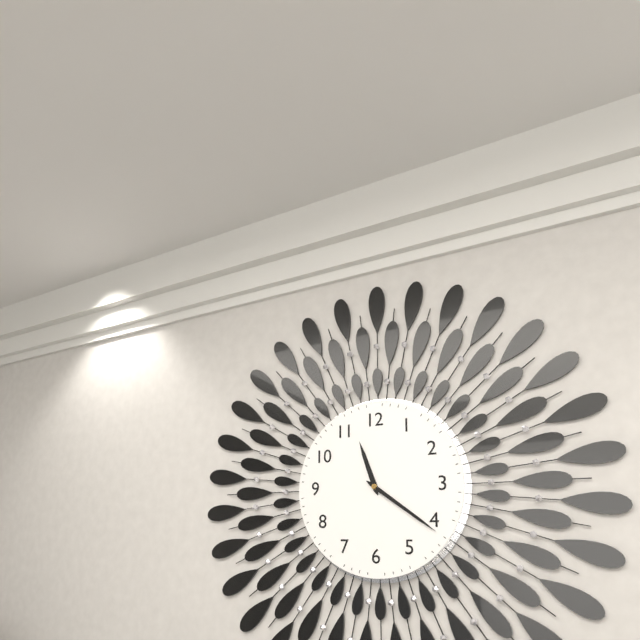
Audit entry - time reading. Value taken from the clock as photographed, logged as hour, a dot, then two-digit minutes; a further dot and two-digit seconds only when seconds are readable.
11.21
